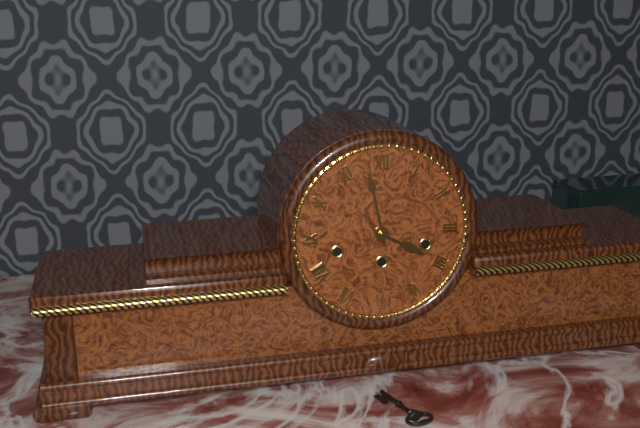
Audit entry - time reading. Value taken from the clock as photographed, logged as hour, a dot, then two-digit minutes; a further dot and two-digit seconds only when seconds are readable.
3.58
